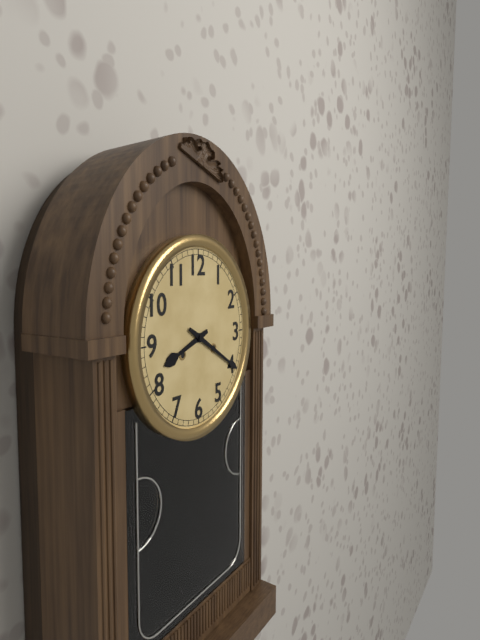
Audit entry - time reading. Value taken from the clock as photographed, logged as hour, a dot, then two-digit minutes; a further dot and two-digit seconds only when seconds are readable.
8.20
